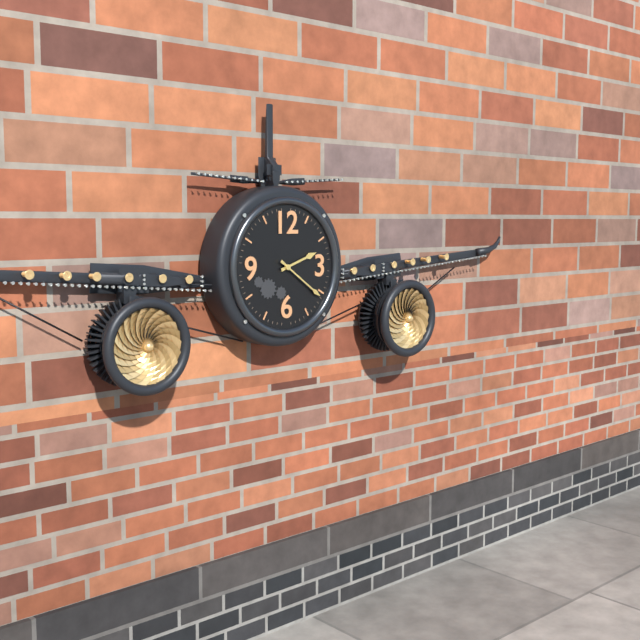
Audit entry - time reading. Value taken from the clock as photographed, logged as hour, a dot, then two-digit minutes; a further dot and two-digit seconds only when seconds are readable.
2.21
